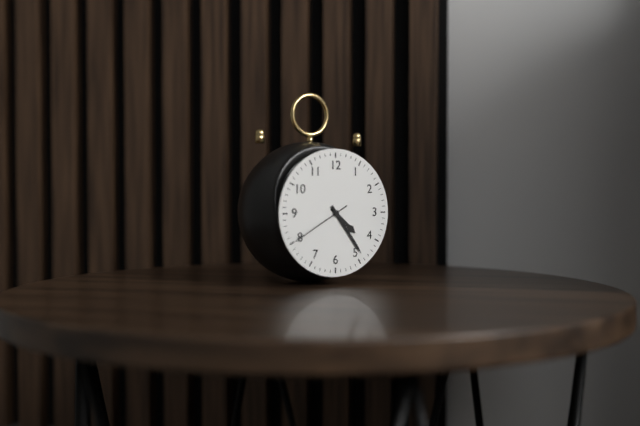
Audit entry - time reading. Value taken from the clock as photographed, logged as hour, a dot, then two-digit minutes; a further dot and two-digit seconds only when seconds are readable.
4.24
